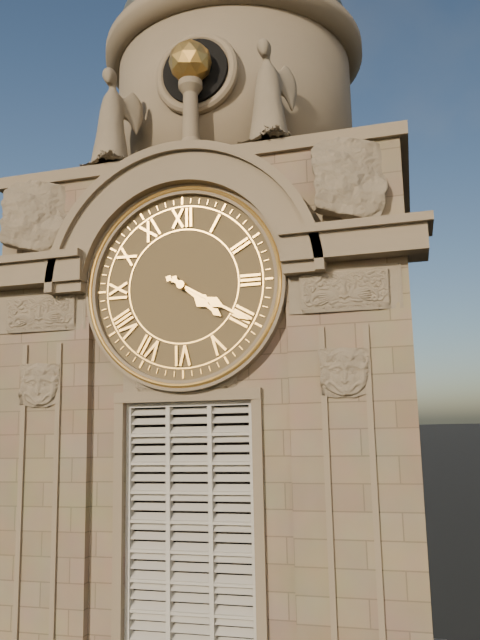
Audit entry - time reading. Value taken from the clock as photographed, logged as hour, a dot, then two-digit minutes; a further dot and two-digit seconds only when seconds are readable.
4.20
